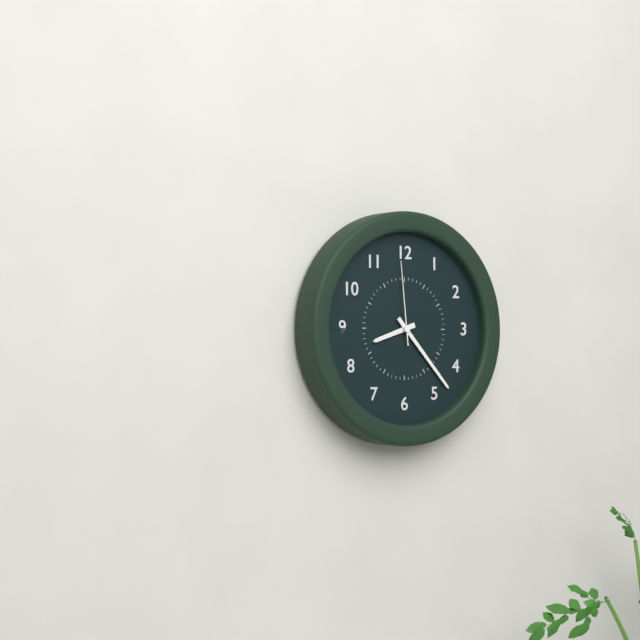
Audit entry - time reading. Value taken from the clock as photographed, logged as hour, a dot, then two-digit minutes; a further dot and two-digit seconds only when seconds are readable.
8.23.59
